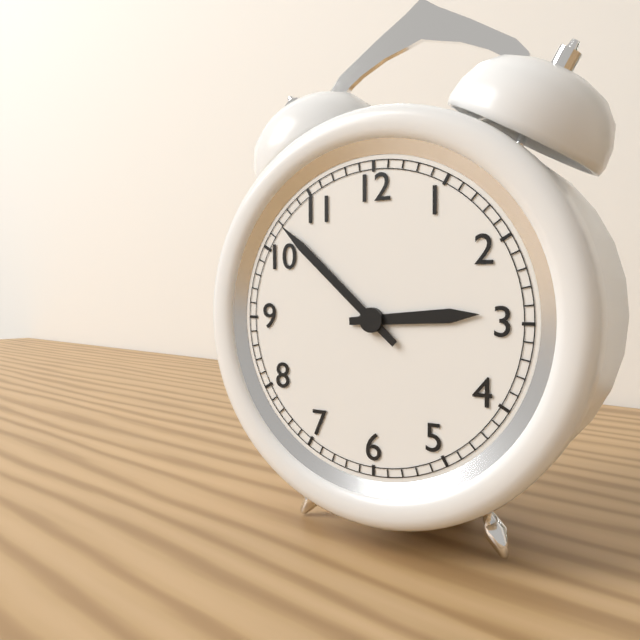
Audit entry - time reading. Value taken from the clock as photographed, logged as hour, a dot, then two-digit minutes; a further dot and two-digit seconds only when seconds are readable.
2.52
